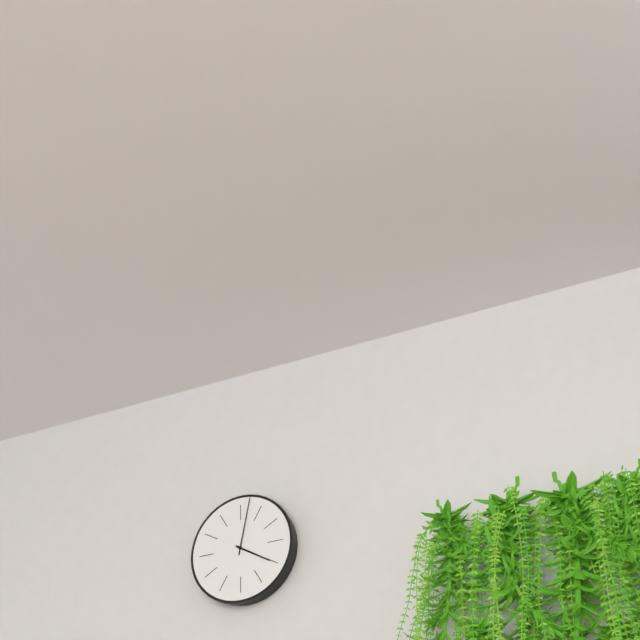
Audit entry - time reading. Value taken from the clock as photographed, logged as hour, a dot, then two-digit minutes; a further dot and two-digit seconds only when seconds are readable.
4.02
